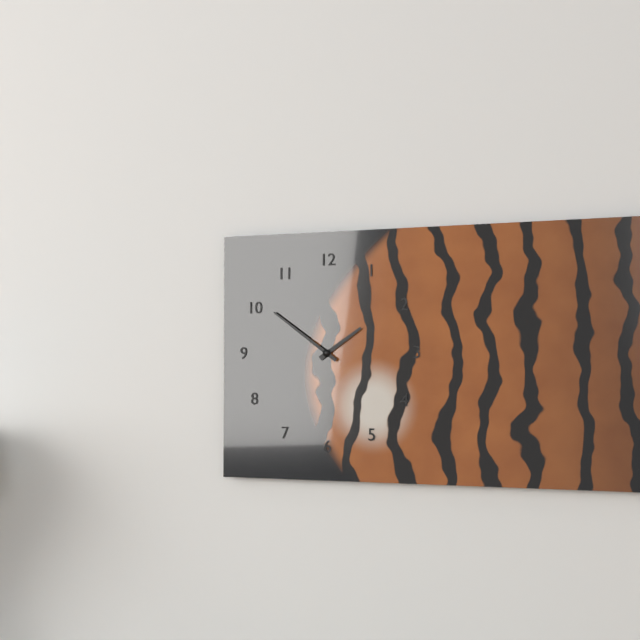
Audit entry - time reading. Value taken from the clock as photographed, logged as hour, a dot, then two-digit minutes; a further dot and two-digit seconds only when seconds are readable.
1.51
